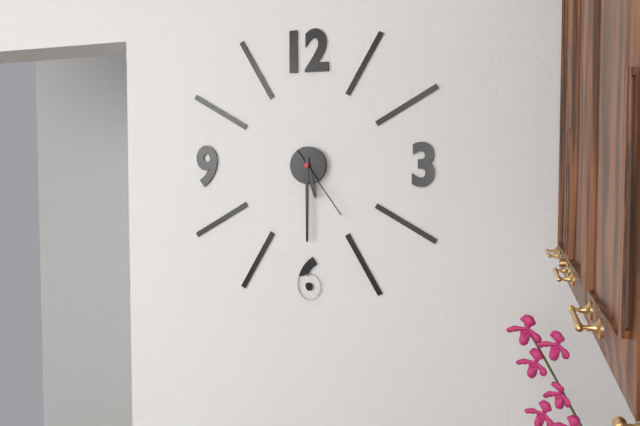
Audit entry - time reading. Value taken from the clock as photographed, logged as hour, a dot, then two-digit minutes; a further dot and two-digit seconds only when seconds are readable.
5.30.24
